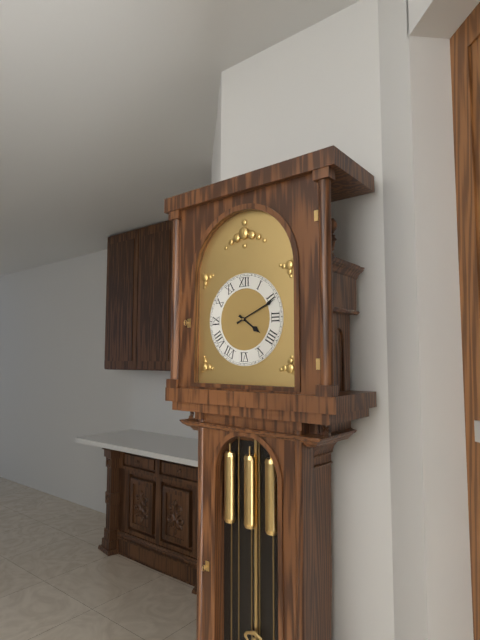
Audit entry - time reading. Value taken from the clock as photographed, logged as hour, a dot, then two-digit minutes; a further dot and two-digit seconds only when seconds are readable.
4.11
